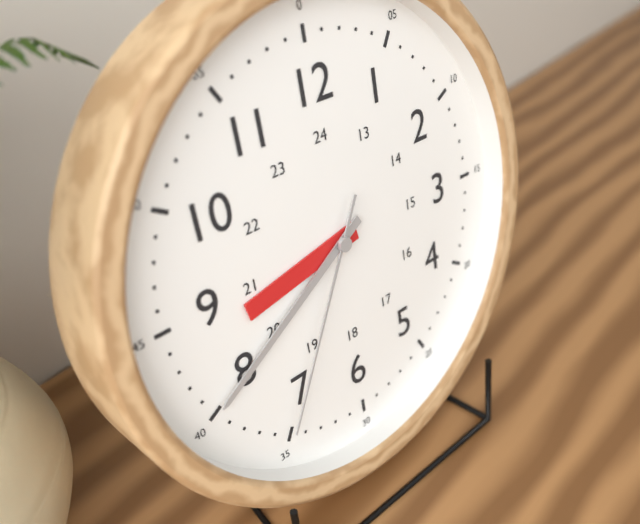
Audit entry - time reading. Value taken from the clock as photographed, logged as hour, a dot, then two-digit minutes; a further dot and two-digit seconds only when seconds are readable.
8.40.35
